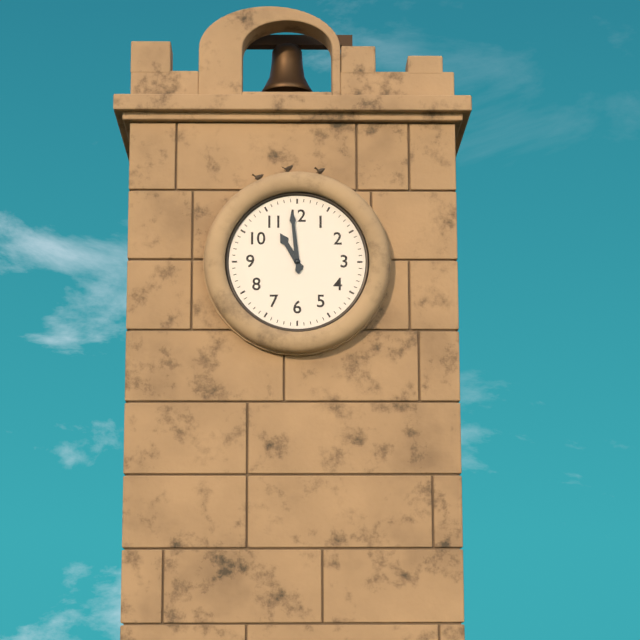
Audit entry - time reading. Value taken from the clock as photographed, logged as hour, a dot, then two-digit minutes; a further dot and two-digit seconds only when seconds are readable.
10.59
